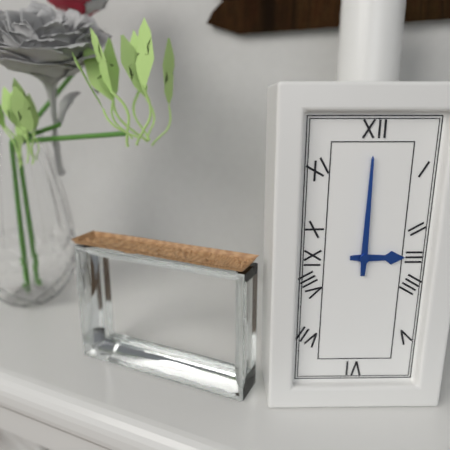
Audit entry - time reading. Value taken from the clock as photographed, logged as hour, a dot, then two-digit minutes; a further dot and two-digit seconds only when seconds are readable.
3.00
